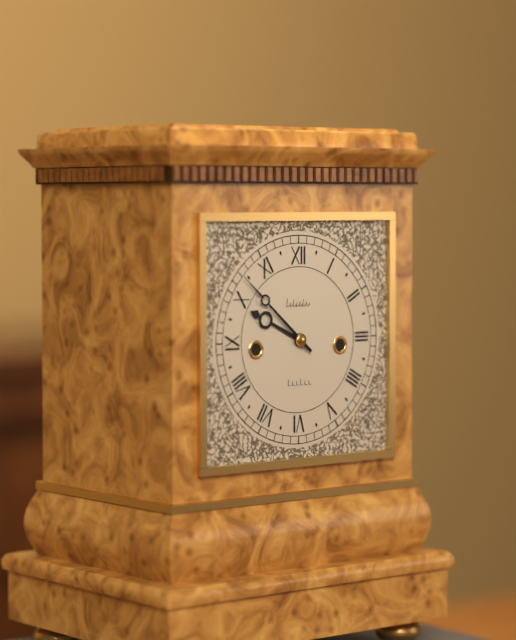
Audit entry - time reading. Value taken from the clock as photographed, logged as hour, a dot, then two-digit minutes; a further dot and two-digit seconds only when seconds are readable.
9.52
